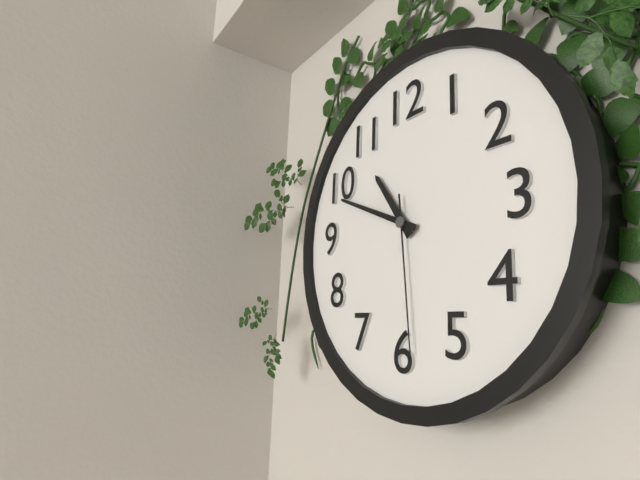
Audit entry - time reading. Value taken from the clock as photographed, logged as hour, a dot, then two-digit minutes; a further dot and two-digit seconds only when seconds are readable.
10.49.29
